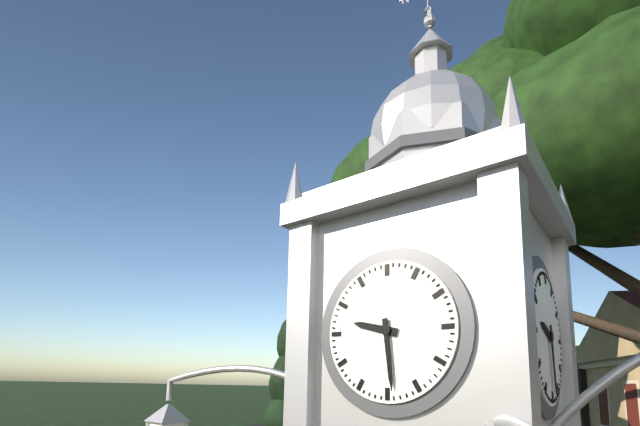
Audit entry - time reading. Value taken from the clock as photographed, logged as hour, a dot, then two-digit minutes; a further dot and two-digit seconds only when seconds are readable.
9.29
